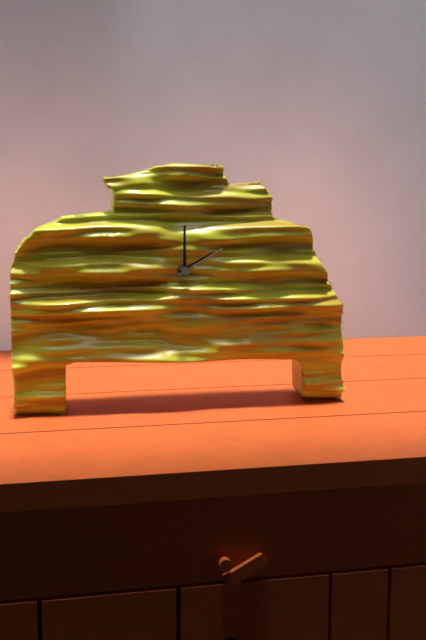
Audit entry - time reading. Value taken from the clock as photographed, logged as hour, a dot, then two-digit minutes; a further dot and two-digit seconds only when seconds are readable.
2.00.10
